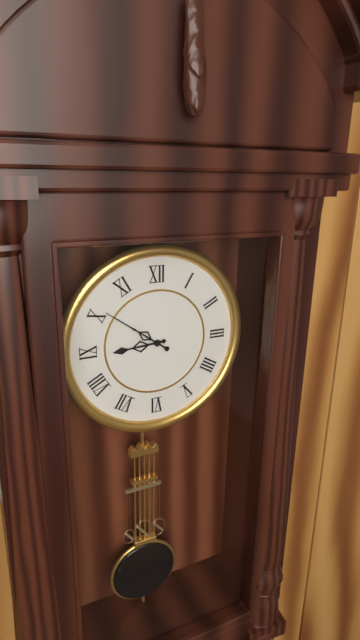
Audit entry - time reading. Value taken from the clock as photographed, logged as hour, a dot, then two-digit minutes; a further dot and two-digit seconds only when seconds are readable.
8.51
